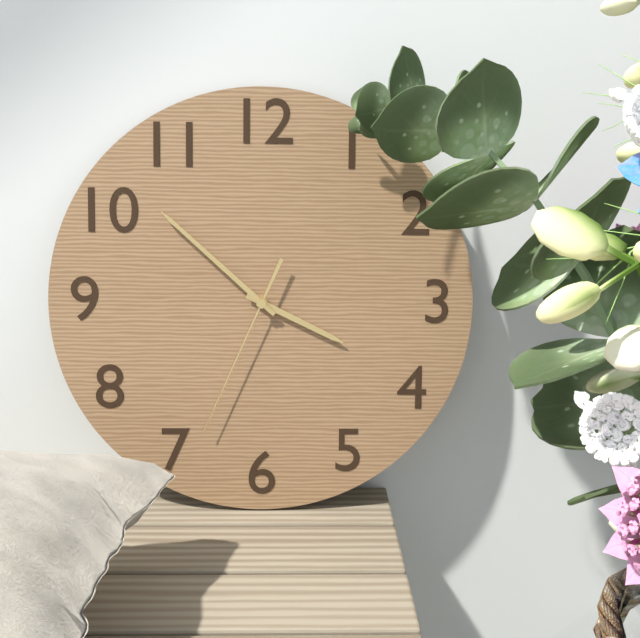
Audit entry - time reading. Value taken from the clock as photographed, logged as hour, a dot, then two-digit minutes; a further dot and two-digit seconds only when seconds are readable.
3.52.34
